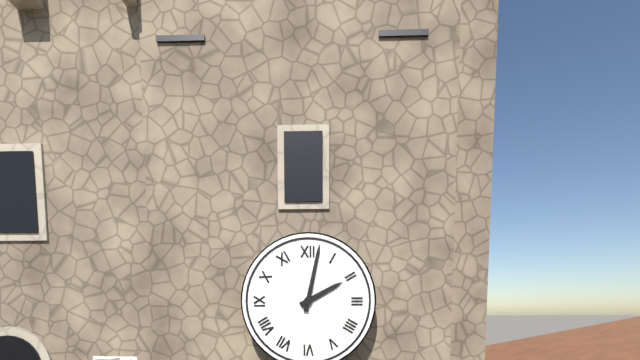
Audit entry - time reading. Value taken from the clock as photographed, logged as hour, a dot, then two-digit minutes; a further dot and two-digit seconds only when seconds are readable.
2.02
